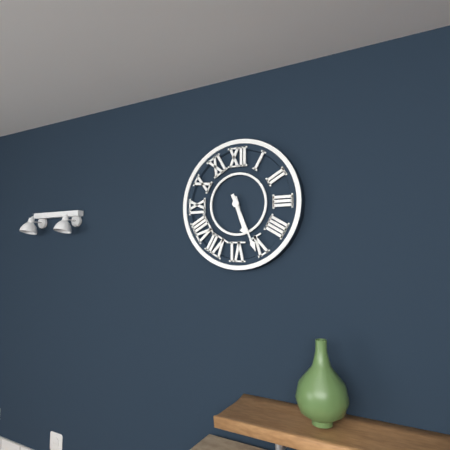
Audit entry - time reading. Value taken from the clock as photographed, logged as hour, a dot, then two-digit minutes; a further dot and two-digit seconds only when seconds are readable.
5.26
